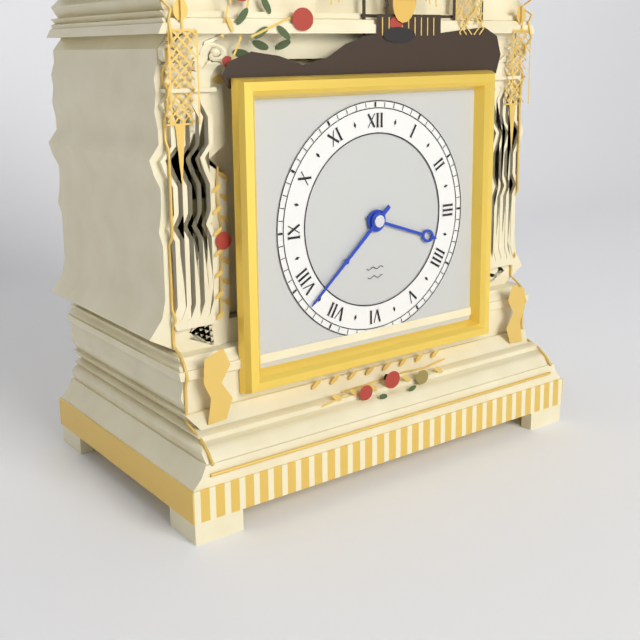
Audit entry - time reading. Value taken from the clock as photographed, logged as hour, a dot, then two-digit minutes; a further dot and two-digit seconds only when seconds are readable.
3.38
